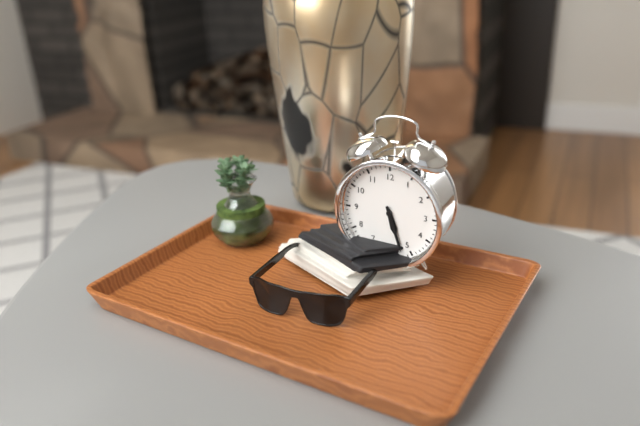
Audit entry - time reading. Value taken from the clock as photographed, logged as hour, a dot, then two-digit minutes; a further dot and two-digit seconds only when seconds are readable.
5.27
